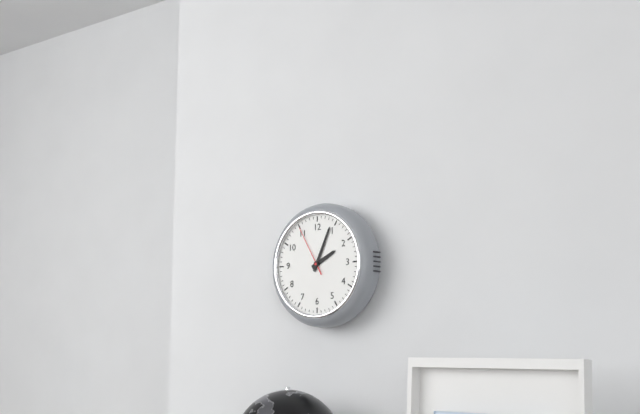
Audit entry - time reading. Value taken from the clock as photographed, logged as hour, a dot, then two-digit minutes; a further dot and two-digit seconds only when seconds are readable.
2.04.55
